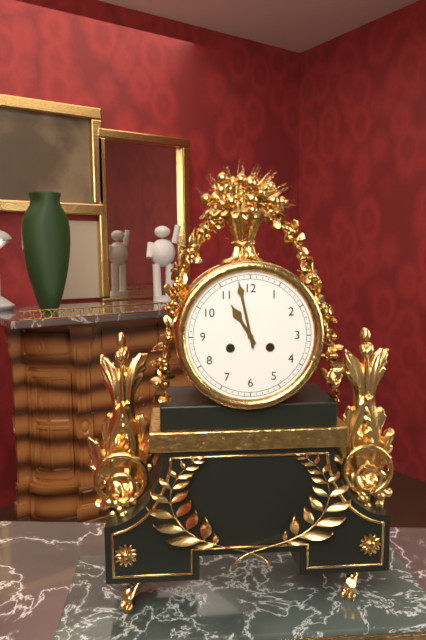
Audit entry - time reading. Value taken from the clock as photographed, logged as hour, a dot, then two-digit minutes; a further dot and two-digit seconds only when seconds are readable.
10.58
